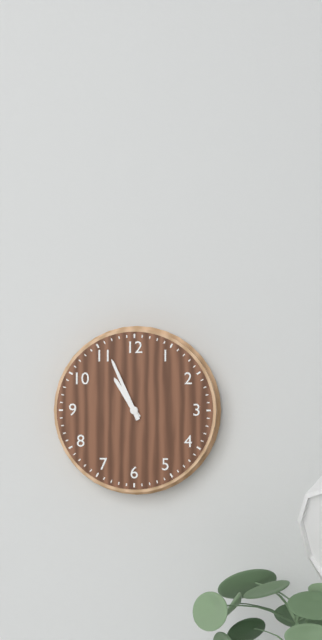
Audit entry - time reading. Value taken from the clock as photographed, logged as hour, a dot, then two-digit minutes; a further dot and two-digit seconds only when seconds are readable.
10.56
